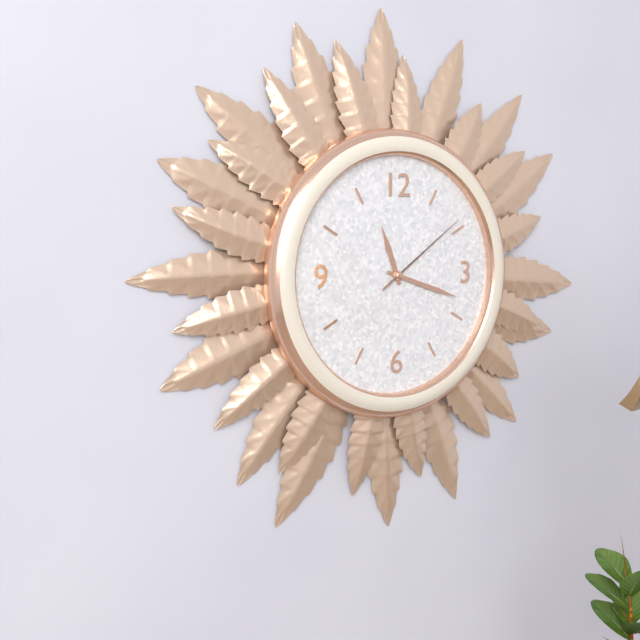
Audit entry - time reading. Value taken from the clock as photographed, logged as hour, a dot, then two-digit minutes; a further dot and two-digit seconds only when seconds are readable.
11.18.09
